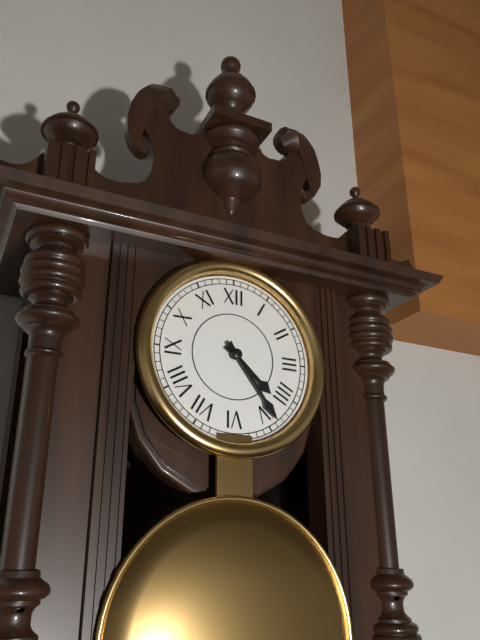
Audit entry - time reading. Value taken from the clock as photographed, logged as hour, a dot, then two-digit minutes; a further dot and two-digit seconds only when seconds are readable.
4.24
